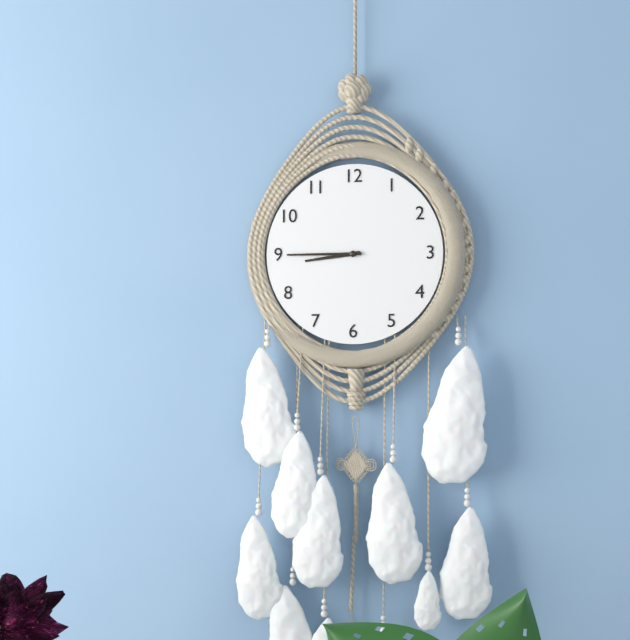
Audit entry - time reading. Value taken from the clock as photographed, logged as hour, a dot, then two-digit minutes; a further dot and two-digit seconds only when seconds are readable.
8.45
